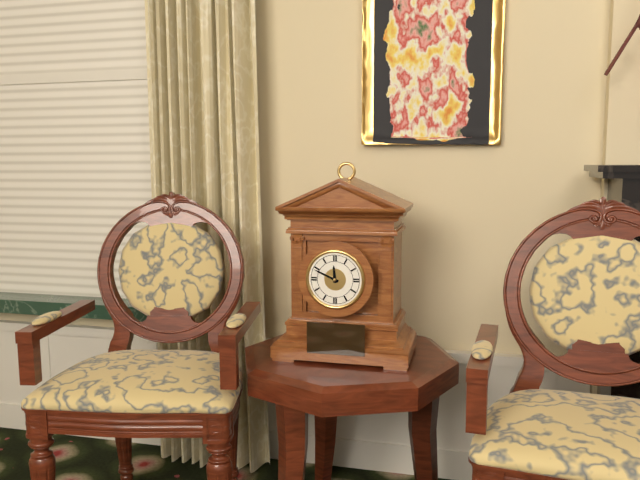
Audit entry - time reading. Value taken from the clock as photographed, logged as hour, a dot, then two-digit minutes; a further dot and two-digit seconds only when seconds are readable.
11.49
